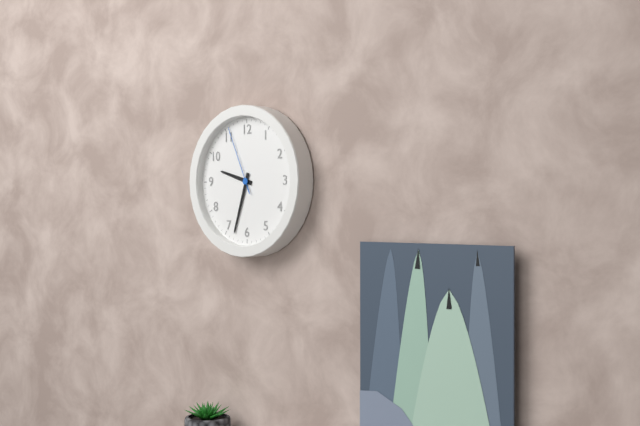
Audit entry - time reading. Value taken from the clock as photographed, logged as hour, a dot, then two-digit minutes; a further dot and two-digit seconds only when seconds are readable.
9.33.56
